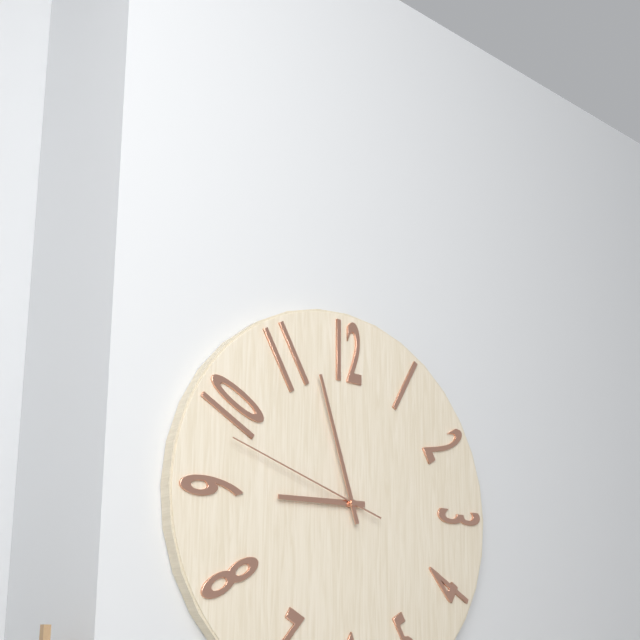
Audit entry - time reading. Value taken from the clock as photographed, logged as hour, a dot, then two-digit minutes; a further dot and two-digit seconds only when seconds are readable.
8.57.48
